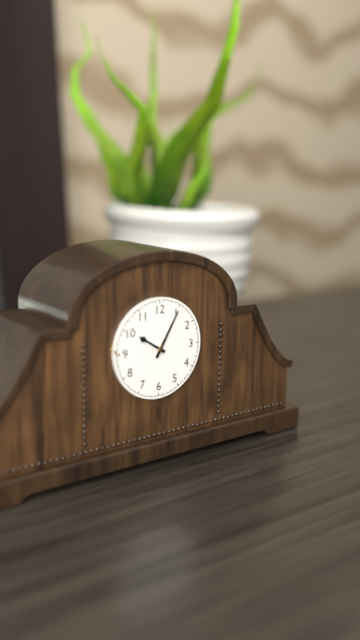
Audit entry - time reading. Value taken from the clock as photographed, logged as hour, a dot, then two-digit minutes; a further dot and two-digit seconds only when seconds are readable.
10.05
